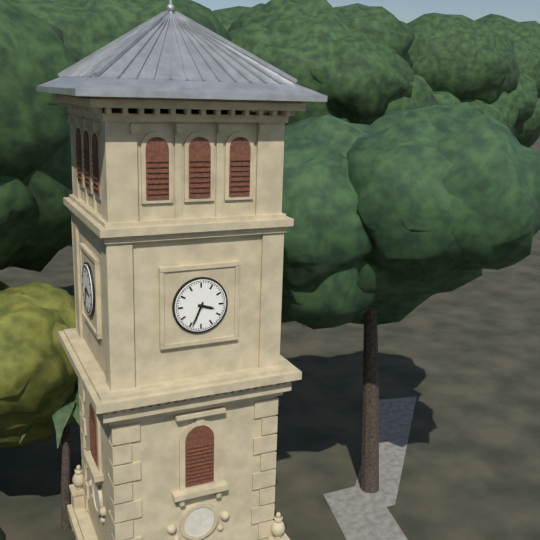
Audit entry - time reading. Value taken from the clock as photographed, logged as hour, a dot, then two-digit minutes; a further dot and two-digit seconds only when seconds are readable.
3.34
